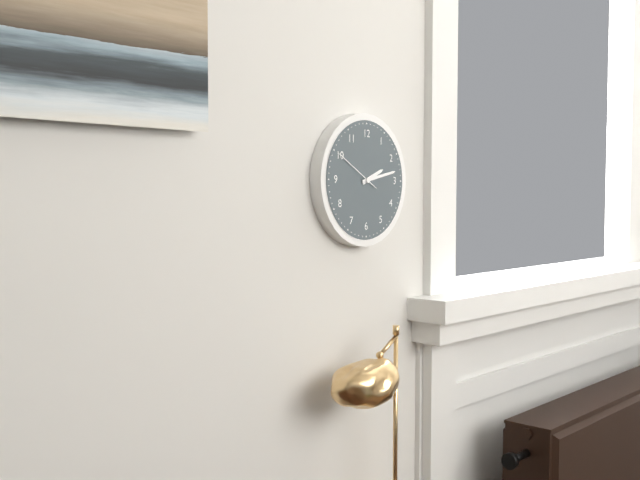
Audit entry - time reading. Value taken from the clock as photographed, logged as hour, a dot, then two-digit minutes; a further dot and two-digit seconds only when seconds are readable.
2.13
